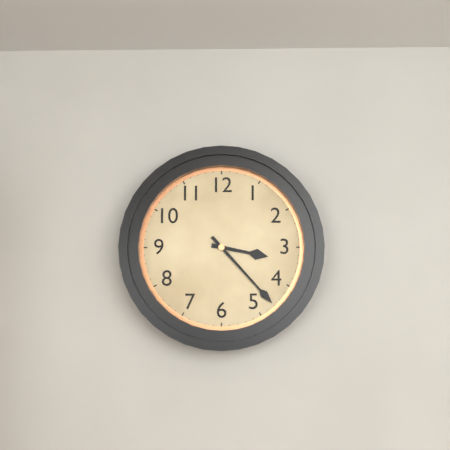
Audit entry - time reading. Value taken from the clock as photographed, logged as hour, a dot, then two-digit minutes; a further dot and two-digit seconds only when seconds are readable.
3.23
